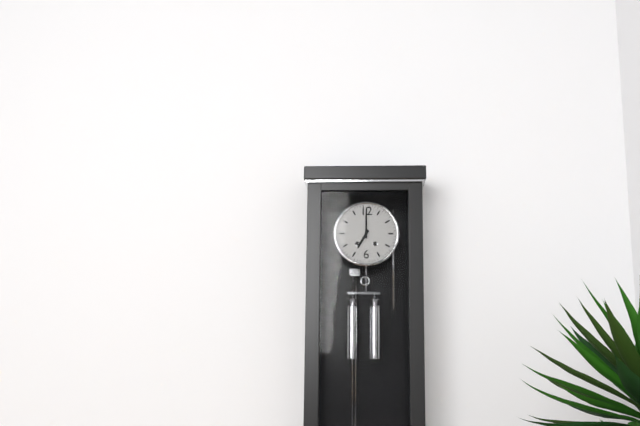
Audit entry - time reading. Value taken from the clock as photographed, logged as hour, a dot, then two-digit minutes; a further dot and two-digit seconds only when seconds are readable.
7.00
